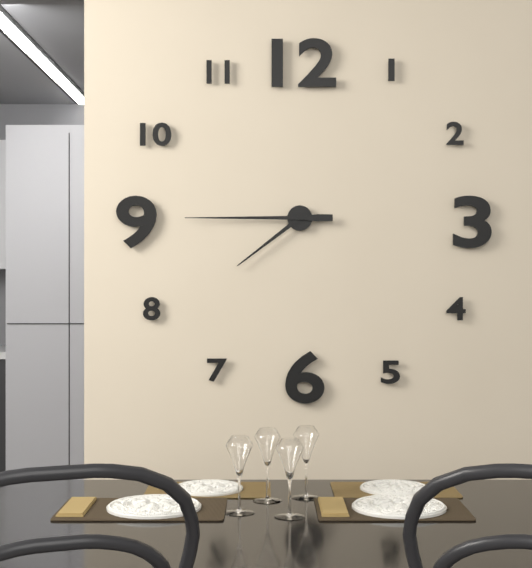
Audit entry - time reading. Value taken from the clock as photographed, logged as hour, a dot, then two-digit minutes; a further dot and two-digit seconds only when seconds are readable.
7.45
